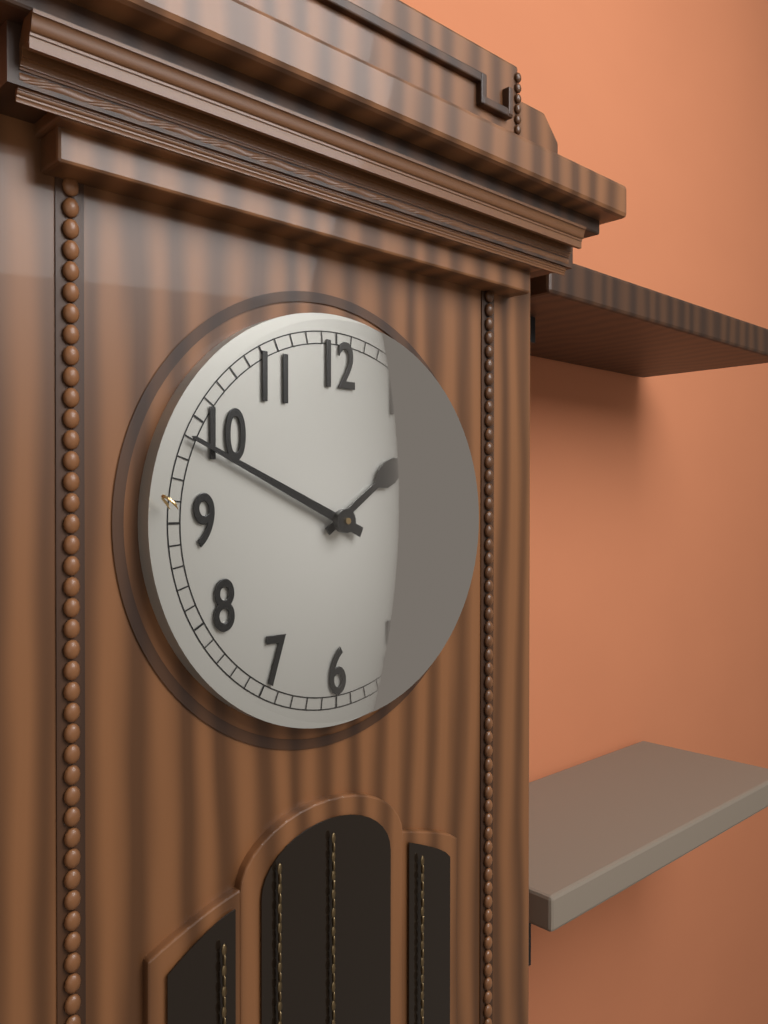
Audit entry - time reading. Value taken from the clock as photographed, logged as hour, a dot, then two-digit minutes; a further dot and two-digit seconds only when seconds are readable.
1.49
